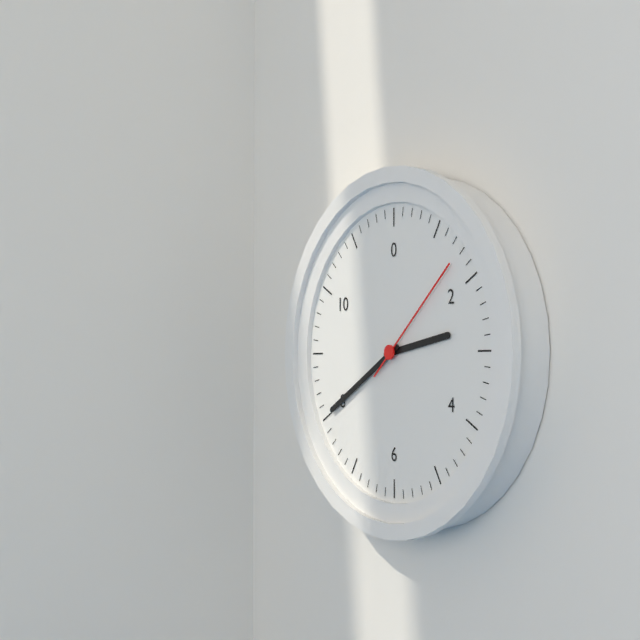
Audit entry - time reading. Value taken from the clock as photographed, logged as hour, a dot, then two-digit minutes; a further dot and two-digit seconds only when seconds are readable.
2.40.08
